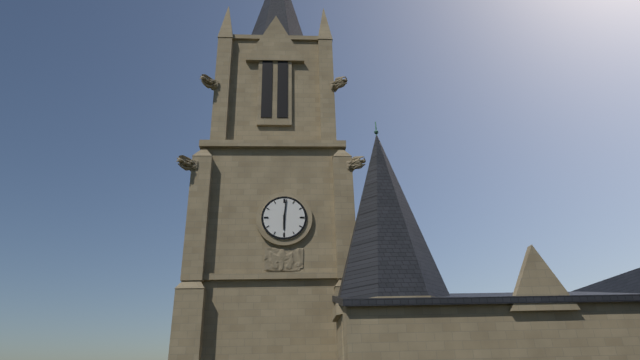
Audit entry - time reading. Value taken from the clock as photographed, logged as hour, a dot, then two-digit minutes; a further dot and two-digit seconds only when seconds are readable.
6.01
